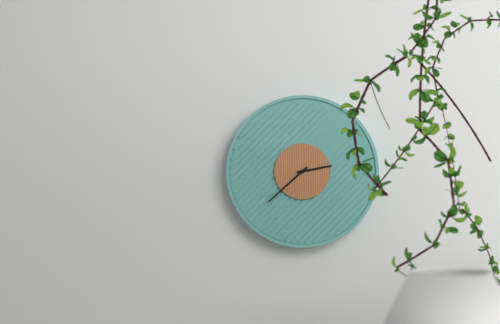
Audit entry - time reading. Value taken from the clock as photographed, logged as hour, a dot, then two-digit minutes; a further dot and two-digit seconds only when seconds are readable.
2.38
